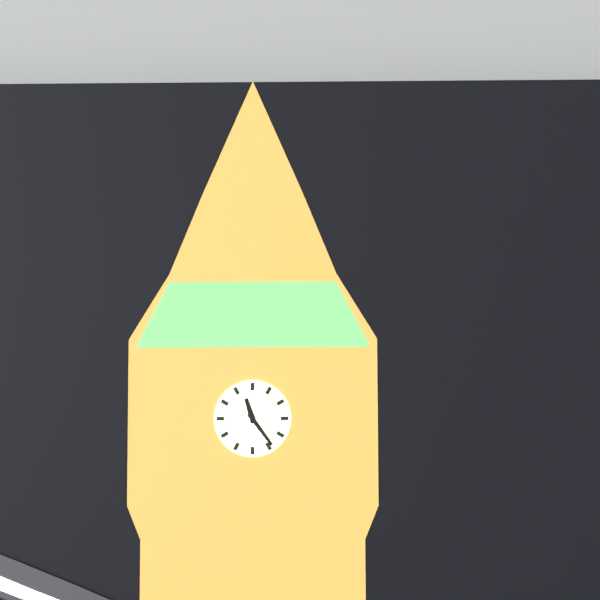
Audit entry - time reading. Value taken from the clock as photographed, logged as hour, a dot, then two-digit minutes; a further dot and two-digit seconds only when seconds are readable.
11.24
